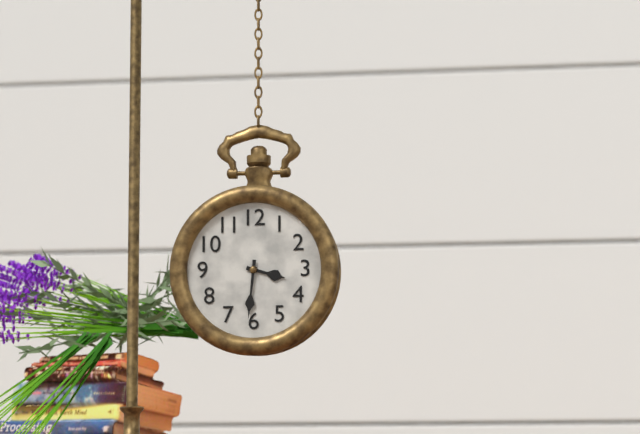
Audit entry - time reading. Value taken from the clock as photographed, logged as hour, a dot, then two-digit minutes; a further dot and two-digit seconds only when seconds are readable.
3.31
